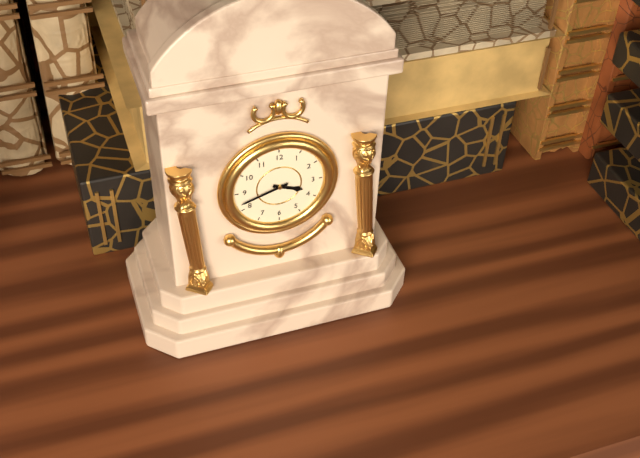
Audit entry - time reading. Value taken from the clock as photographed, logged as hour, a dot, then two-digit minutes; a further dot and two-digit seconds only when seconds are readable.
3.42
